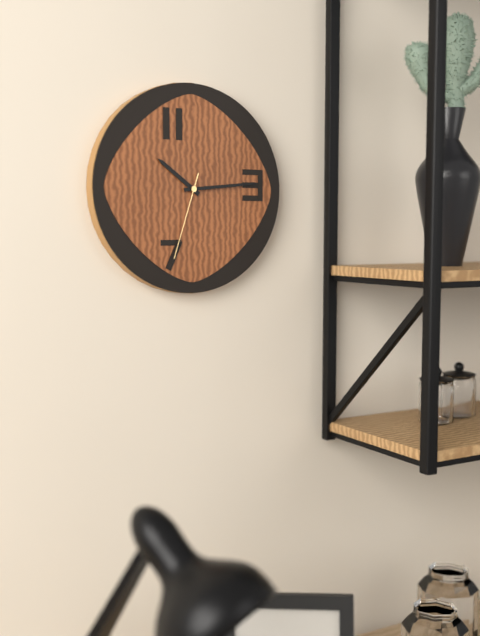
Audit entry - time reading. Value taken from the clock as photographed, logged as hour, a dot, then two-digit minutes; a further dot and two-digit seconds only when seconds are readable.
10.14.33
